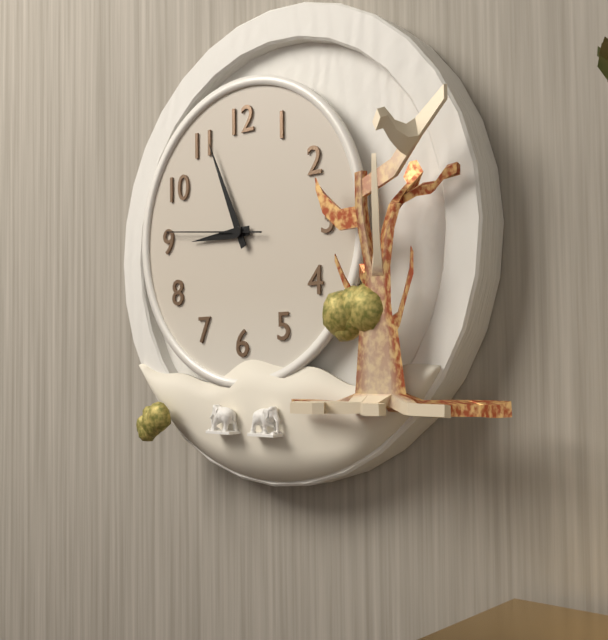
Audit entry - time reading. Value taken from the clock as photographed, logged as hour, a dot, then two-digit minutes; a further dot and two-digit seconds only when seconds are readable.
8.56.46
